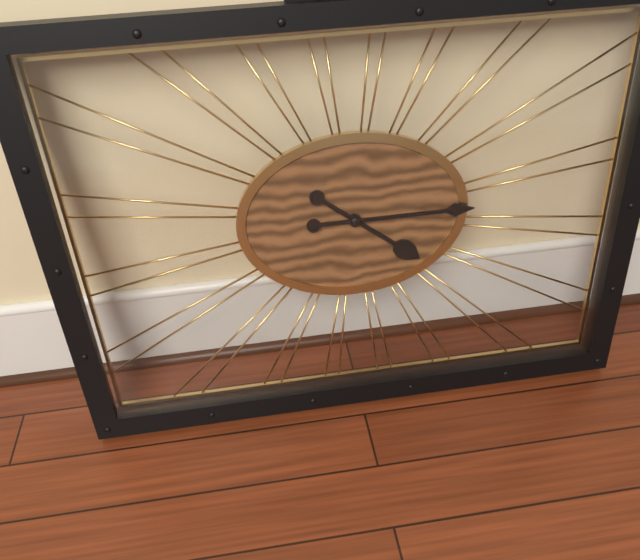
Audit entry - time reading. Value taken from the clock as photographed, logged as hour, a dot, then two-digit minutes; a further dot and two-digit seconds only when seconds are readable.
4.15
